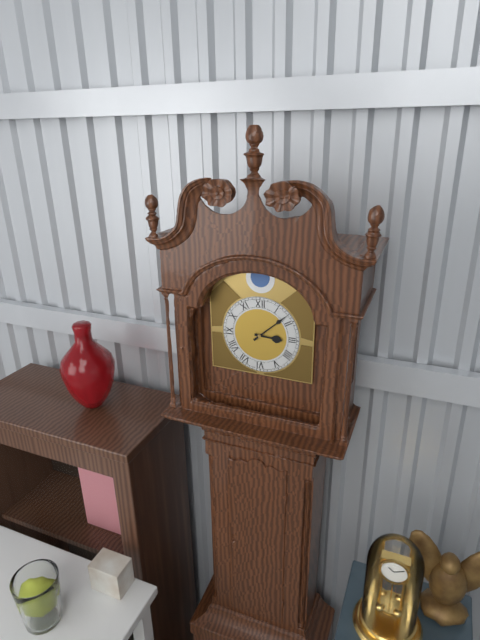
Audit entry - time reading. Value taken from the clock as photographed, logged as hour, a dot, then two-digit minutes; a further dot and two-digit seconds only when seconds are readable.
3.08
